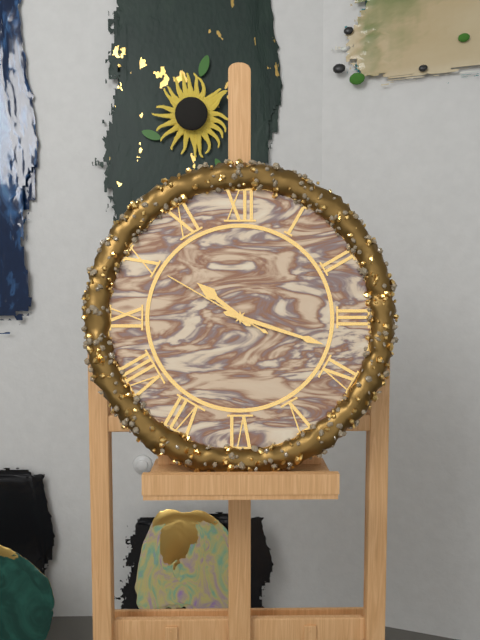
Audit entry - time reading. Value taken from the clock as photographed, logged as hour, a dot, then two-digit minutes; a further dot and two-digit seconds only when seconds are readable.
10.18.50
